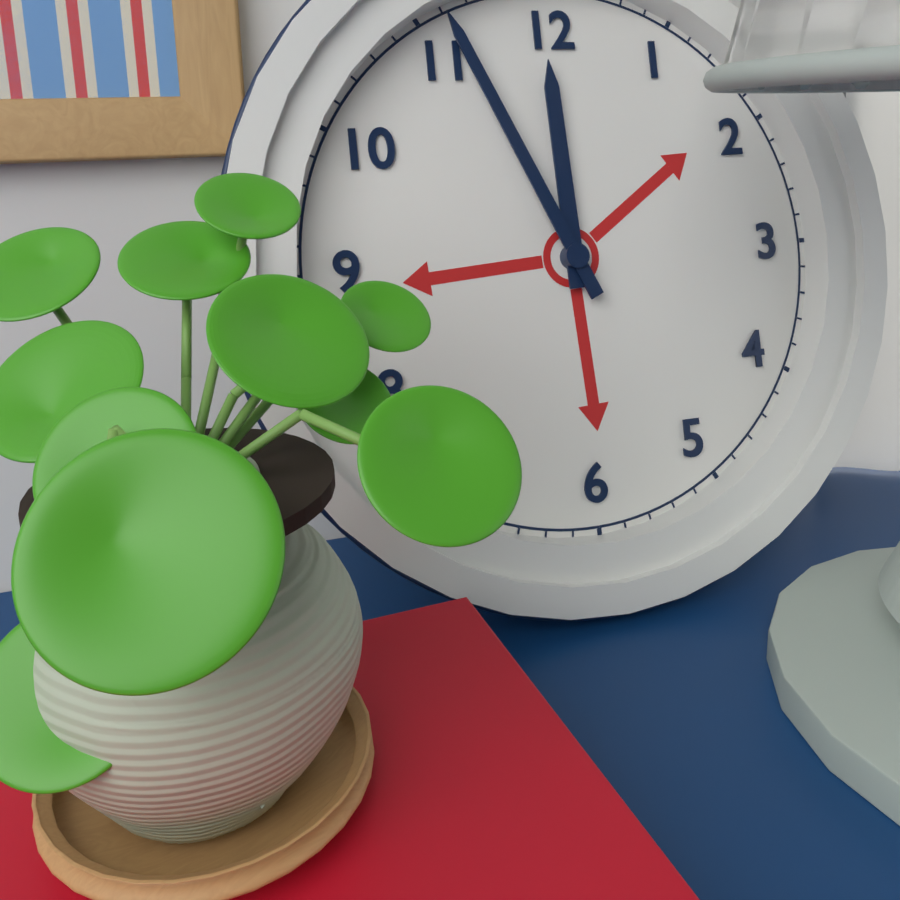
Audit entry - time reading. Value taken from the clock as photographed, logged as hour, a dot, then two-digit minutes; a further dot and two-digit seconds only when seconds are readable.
11.56
